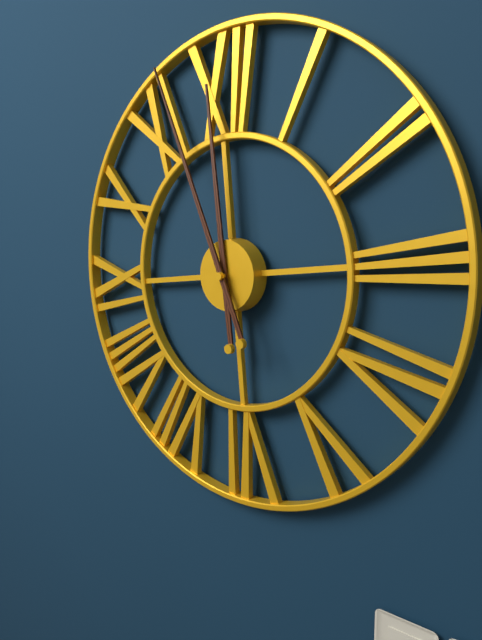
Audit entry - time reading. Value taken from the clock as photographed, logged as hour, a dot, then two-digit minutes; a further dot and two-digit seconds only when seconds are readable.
11.57
